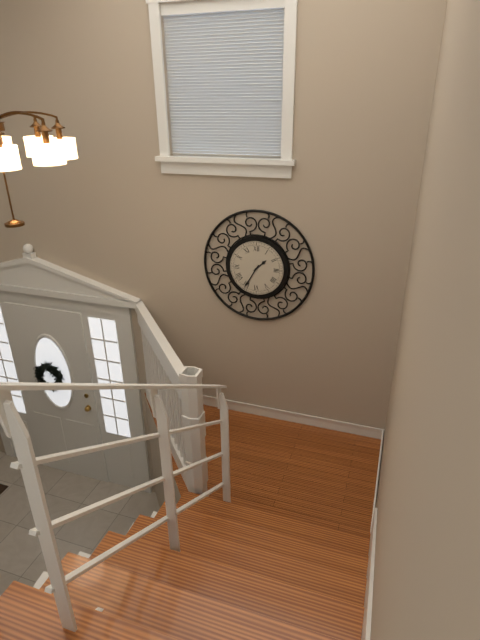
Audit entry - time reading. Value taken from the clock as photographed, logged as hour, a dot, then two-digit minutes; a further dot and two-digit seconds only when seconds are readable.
1.35
